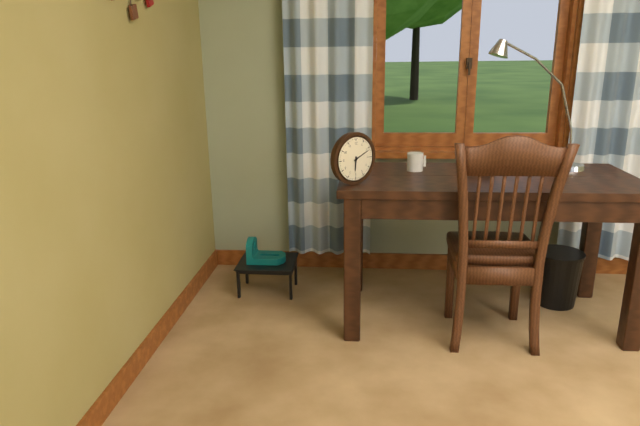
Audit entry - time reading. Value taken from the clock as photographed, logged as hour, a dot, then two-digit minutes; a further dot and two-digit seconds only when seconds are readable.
6.11
